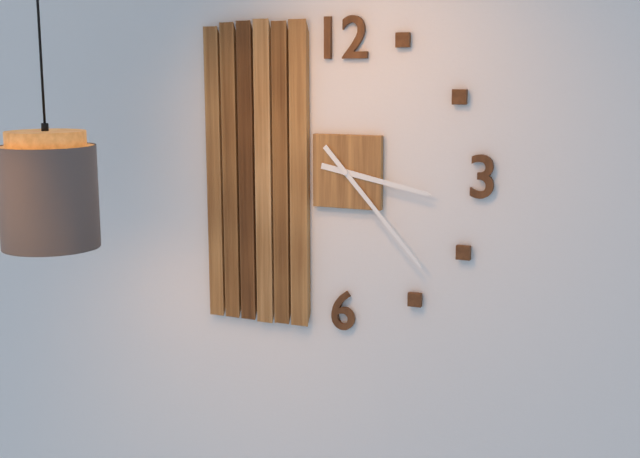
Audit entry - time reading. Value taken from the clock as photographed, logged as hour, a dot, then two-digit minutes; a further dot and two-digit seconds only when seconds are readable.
3.23
